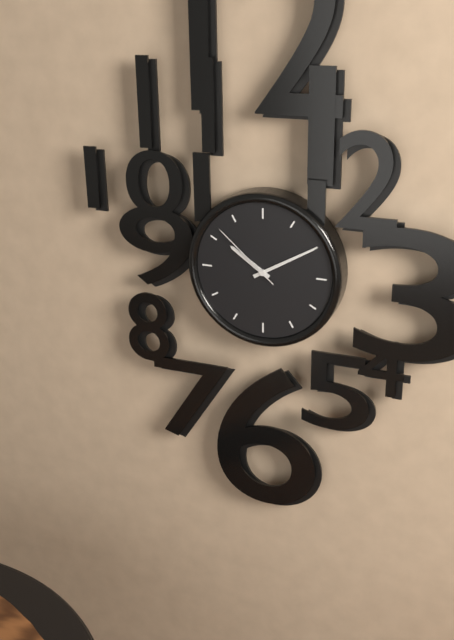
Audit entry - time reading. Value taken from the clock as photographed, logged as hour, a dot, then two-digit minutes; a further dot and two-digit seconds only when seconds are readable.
10.10.52
